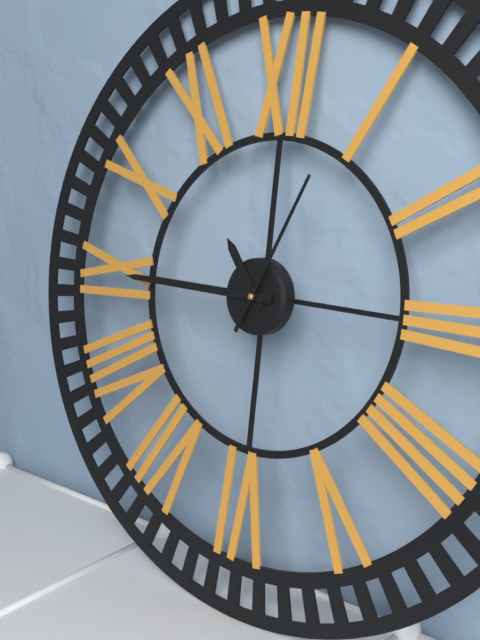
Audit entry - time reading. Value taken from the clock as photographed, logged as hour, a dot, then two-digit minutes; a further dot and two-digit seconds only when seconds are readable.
10.45.04
